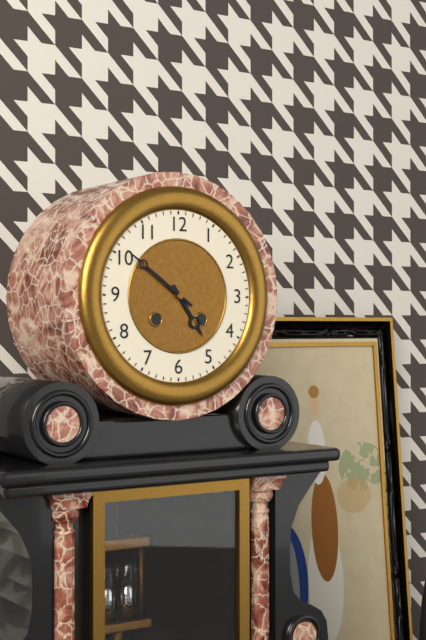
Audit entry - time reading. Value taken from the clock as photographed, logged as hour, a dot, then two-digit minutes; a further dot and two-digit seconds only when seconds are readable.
4.51
